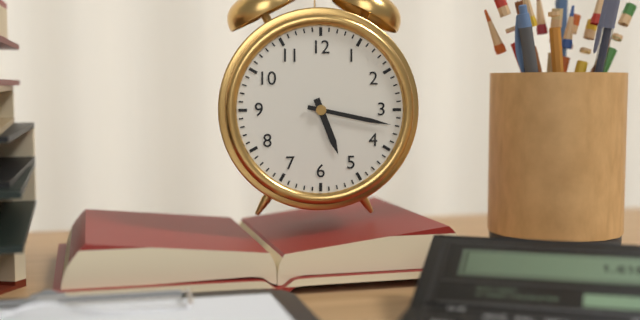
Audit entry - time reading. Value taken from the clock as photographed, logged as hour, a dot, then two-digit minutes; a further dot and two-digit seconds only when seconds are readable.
5.17
